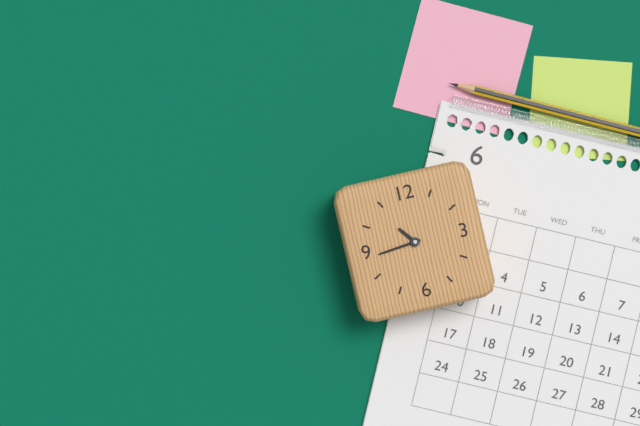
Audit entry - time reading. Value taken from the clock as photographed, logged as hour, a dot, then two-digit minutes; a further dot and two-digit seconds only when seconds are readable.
10.44
